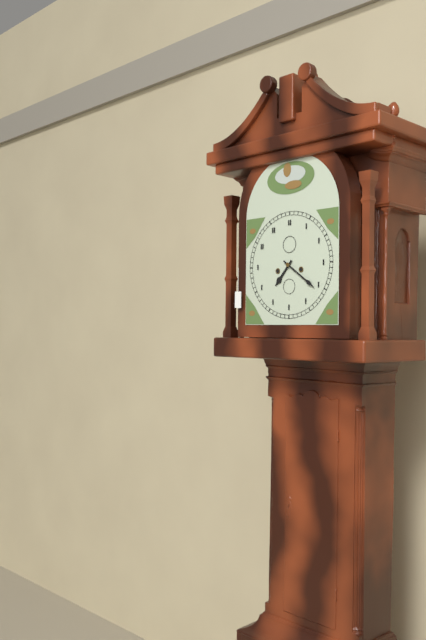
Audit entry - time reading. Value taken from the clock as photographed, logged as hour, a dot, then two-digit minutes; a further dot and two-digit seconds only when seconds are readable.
7.21
